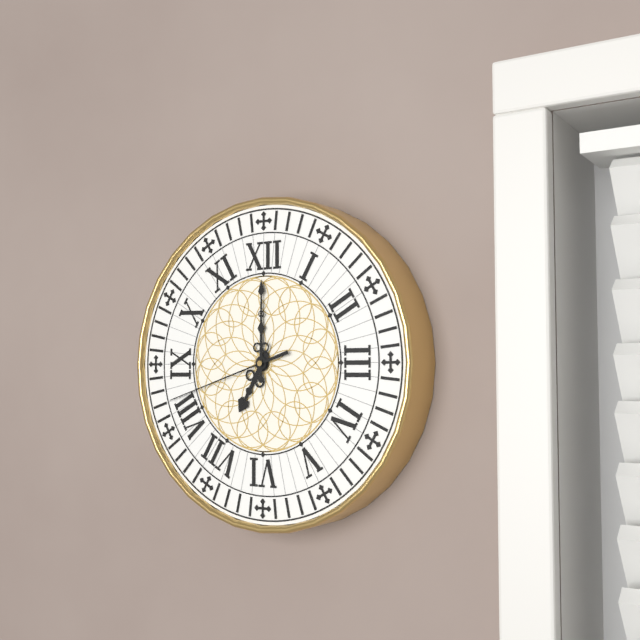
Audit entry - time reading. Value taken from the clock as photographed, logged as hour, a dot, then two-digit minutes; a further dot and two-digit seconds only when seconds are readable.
7.00.42
